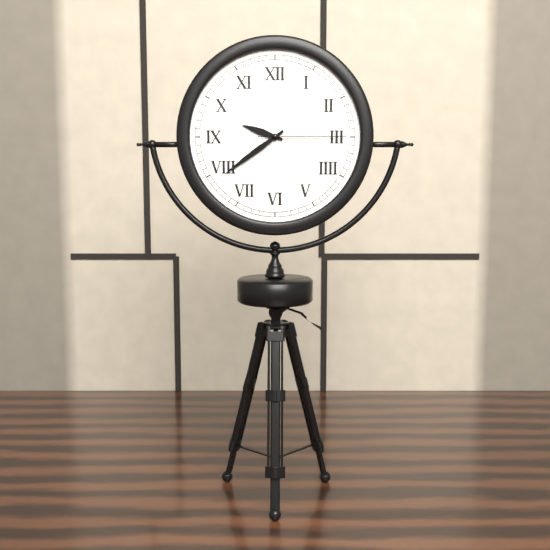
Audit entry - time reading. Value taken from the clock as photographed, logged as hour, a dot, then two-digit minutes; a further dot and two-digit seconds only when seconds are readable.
9.39.15
